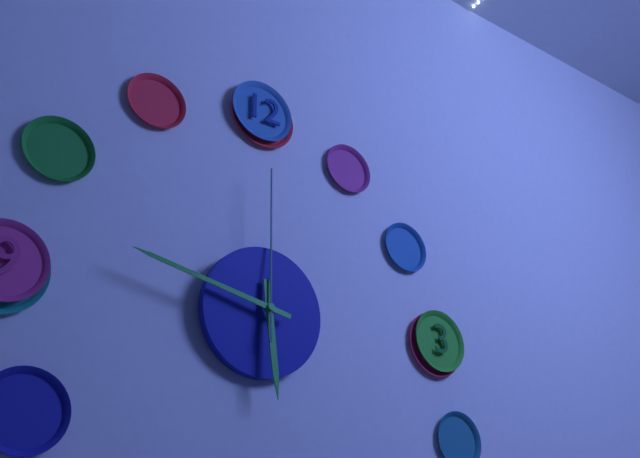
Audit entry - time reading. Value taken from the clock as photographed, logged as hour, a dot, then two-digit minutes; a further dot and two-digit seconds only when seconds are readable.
5.47.00
